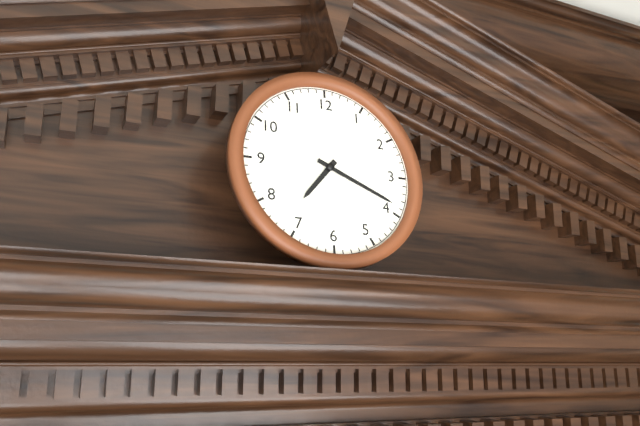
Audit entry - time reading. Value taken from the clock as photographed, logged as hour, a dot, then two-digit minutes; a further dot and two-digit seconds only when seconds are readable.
7.19
